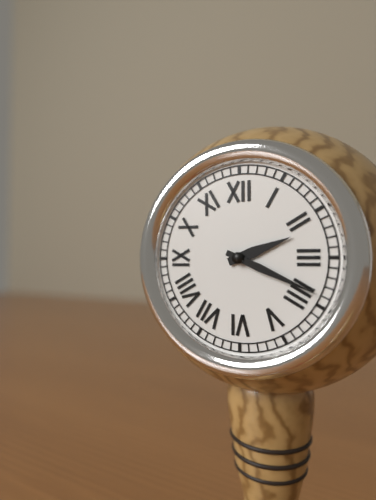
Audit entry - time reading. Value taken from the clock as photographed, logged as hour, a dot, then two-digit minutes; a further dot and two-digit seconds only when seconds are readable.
2.19
